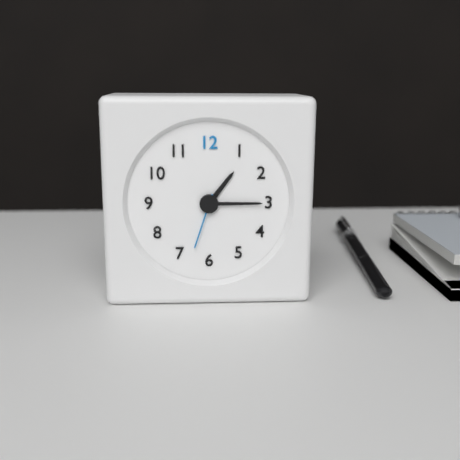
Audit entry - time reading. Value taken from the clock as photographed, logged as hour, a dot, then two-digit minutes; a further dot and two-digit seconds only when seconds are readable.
1.15.33
